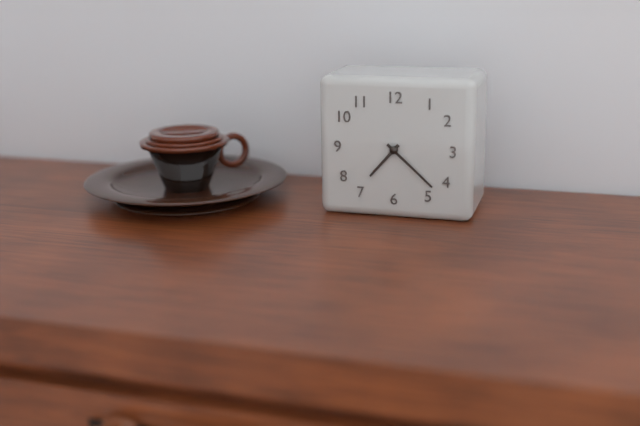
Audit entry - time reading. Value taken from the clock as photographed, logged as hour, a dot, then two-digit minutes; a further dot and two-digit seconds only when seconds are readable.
7.22
